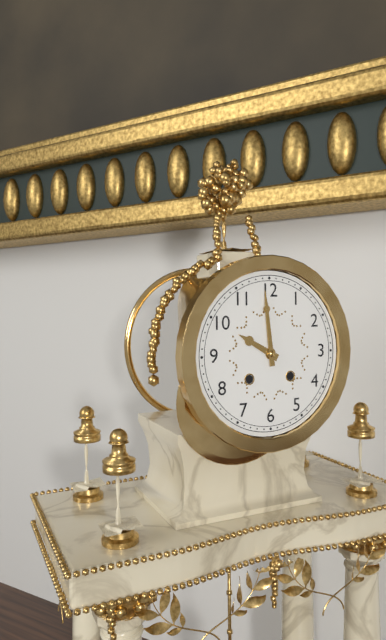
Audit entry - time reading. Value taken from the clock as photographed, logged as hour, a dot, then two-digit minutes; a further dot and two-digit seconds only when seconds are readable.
9.59
